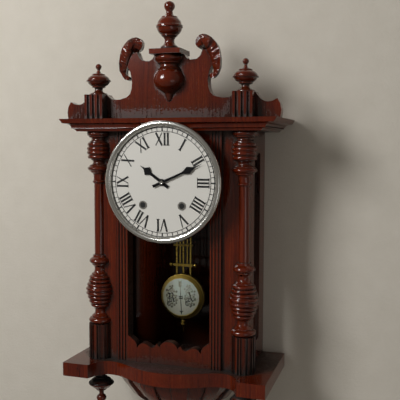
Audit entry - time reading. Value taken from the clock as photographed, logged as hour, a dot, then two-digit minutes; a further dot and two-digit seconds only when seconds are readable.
10.11
